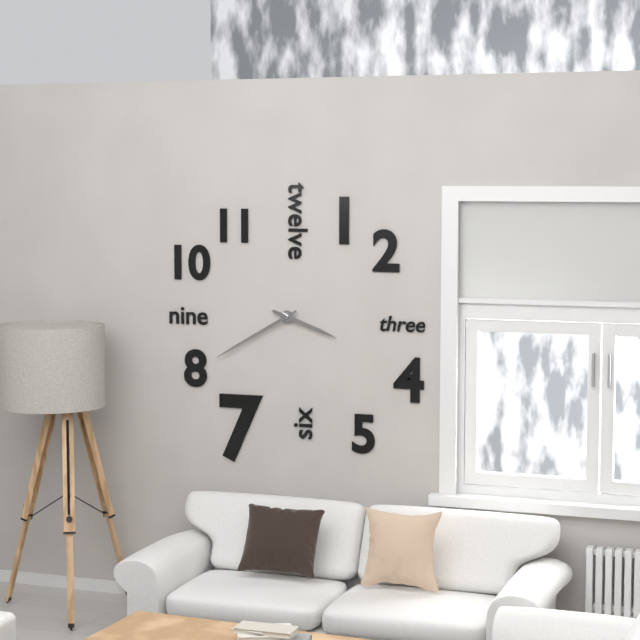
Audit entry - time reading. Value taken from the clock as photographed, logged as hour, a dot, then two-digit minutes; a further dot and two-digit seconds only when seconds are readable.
3.40
